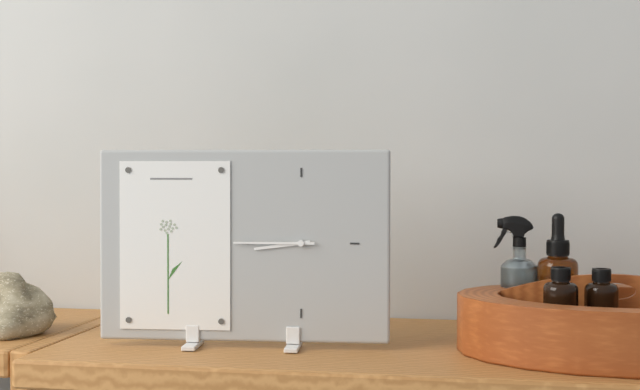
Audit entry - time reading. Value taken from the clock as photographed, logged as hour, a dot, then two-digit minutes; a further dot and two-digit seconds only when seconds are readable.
8.45
